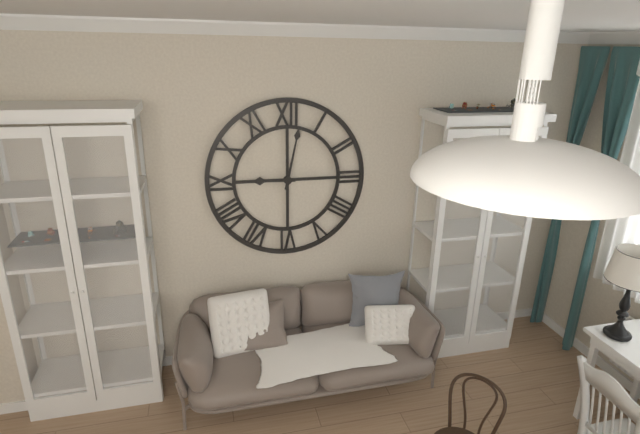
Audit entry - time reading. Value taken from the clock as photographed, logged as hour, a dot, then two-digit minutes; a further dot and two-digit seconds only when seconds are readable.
9.02
